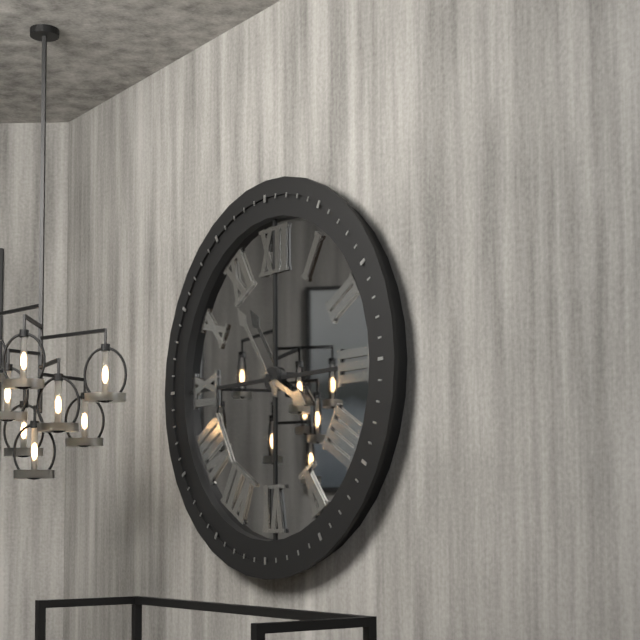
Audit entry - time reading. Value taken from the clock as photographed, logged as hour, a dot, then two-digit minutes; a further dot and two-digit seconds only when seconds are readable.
3.54
